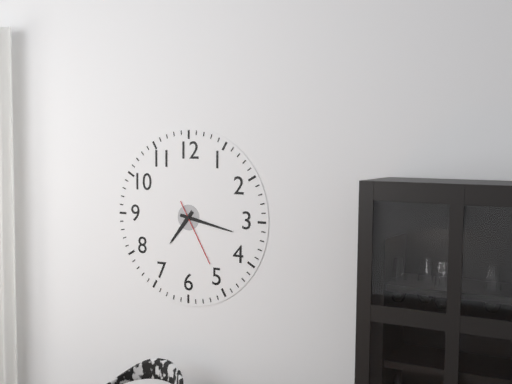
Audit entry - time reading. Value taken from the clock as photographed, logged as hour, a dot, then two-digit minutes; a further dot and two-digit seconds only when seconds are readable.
7.17.25
